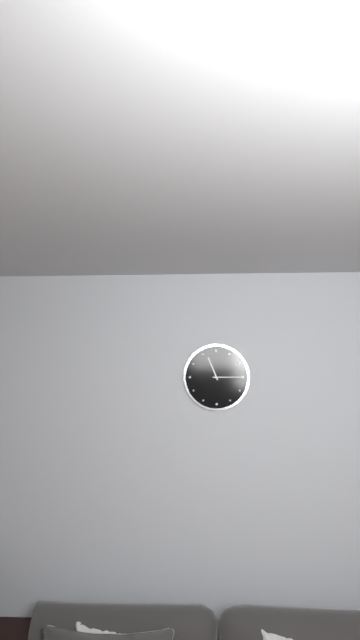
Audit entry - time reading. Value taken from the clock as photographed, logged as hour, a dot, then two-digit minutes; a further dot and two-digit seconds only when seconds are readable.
11.15
